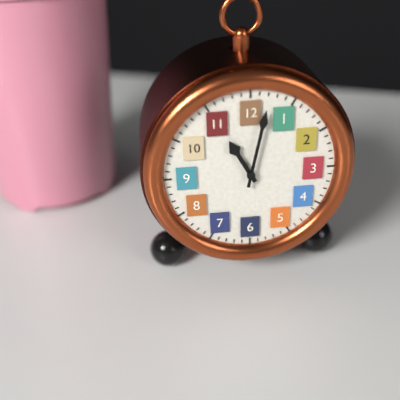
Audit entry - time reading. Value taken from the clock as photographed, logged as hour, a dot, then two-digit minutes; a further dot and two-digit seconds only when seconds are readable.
11.02
